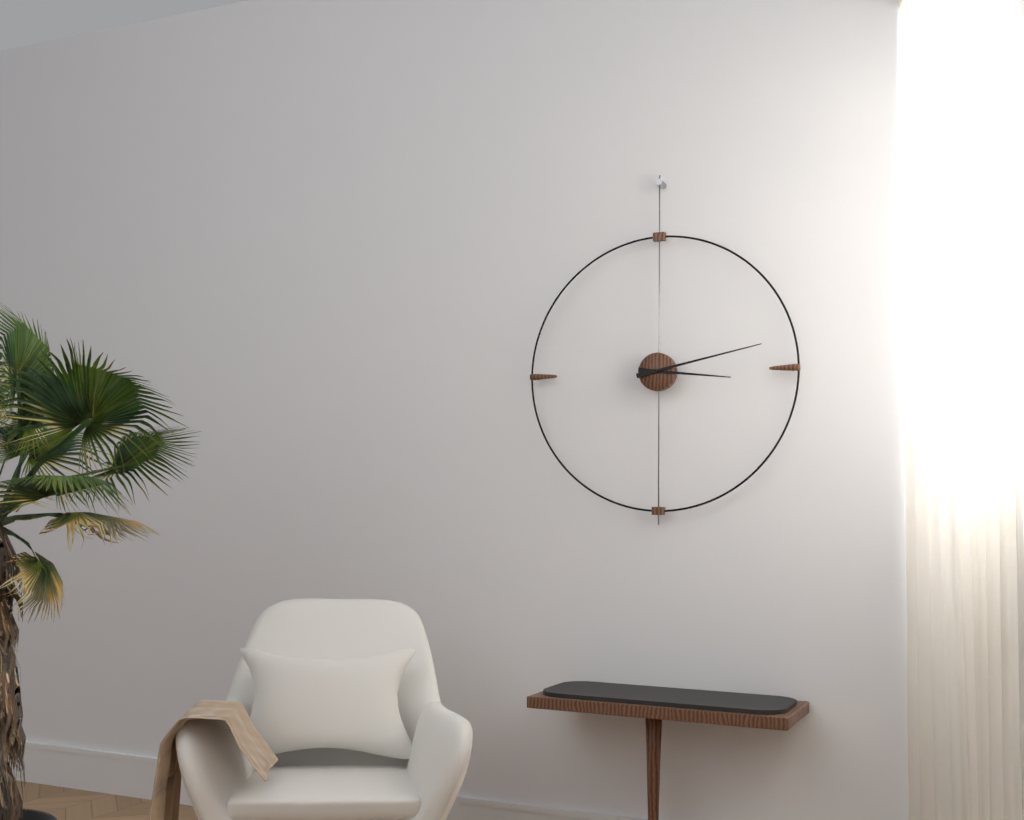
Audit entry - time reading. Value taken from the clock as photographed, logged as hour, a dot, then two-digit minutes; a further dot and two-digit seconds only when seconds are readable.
3.13
